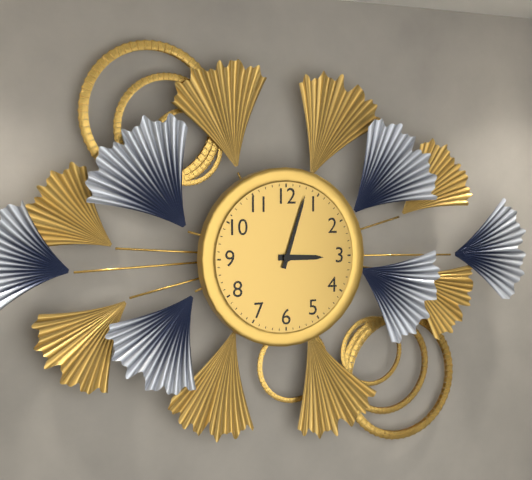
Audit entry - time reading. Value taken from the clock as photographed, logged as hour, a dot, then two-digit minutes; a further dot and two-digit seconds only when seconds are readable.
3.03
